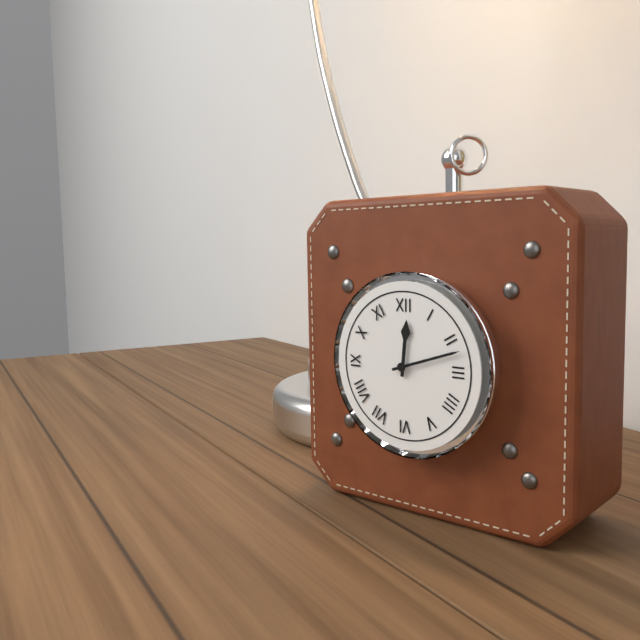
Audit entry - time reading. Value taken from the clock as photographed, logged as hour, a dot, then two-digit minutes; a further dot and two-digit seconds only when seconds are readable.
12.12
